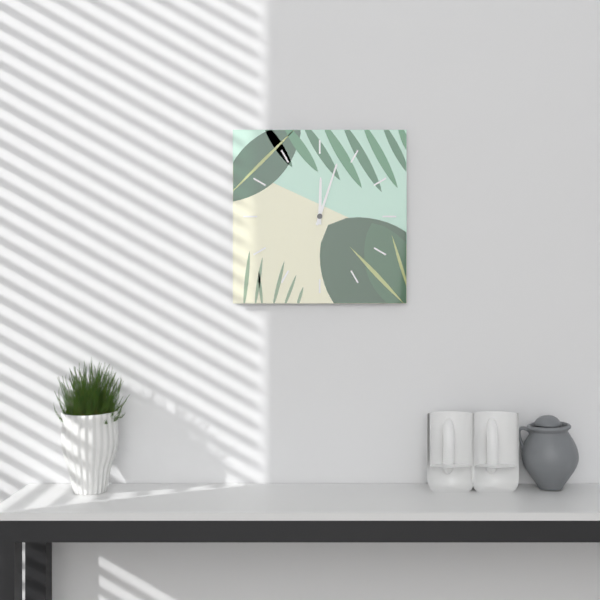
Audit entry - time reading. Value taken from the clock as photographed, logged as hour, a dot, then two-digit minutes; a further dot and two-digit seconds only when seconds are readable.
12.03
